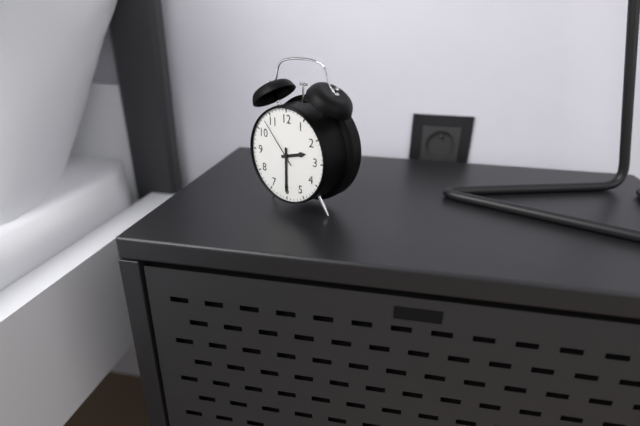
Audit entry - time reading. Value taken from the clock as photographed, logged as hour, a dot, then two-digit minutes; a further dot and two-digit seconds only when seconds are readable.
2.30.53
